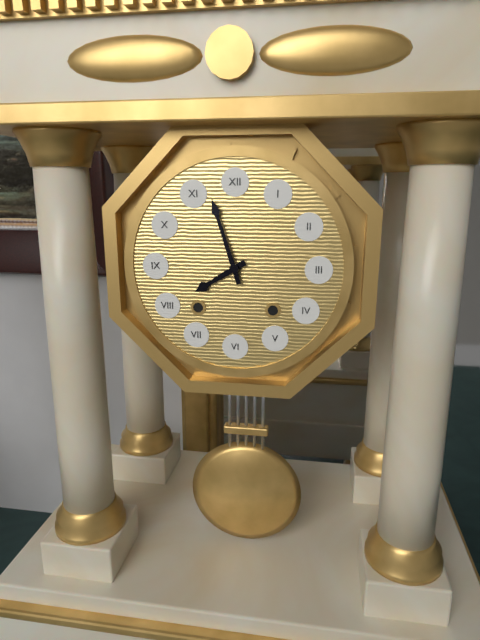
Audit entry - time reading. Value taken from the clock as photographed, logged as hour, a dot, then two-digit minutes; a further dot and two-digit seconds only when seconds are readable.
7.57
